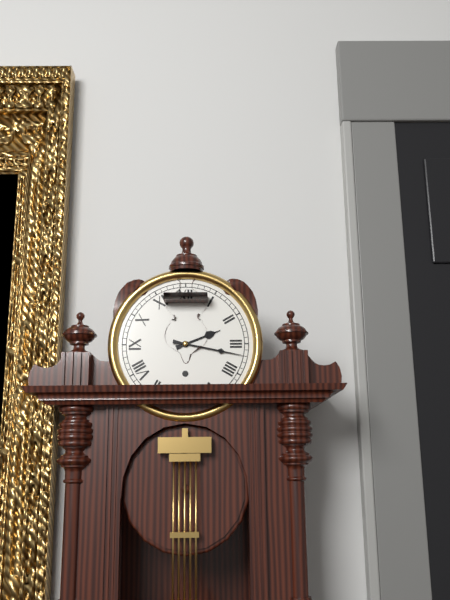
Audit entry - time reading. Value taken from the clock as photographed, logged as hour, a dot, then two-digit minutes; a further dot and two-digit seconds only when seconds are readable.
2.17
